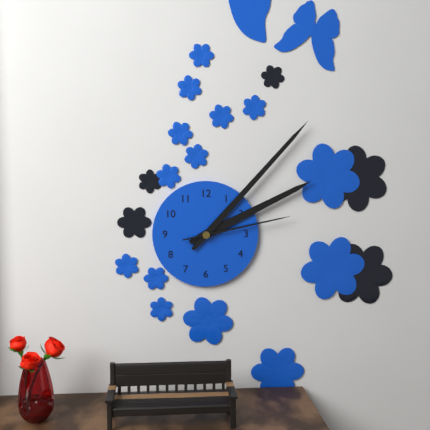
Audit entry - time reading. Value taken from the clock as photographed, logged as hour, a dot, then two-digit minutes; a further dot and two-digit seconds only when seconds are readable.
2.07.13
